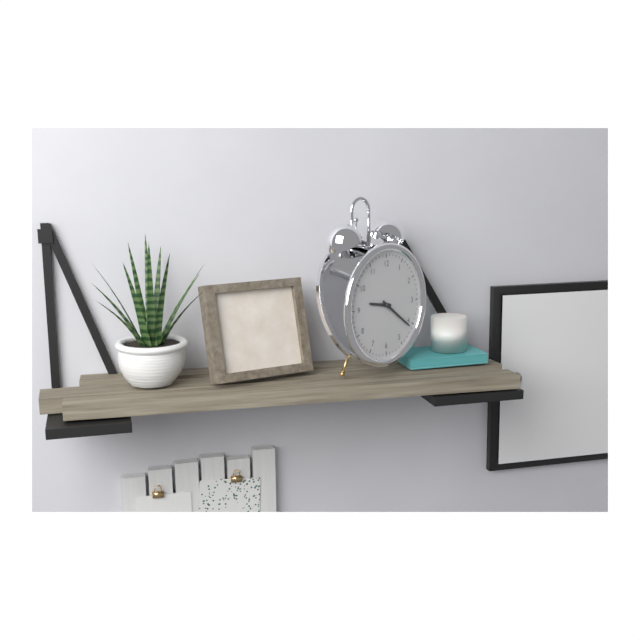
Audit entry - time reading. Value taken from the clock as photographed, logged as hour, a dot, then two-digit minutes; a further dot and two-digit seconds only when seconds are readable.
9.21
